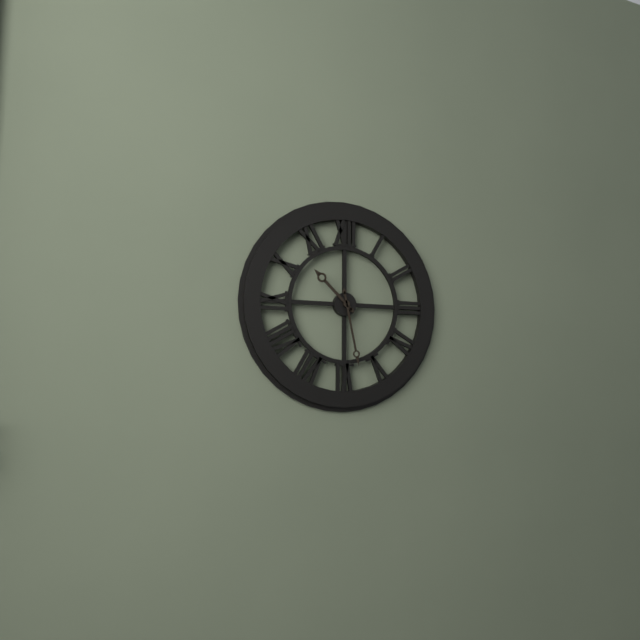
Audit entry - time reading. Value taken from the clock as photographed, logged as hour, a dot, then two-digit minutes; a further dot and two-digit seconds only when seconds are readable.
10.28
